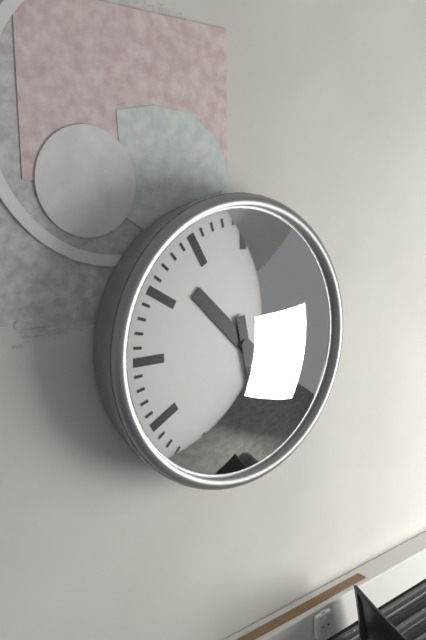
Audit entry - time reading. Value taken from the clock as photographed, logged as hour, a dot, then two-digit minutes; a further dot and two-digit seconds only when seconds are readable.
10.28
